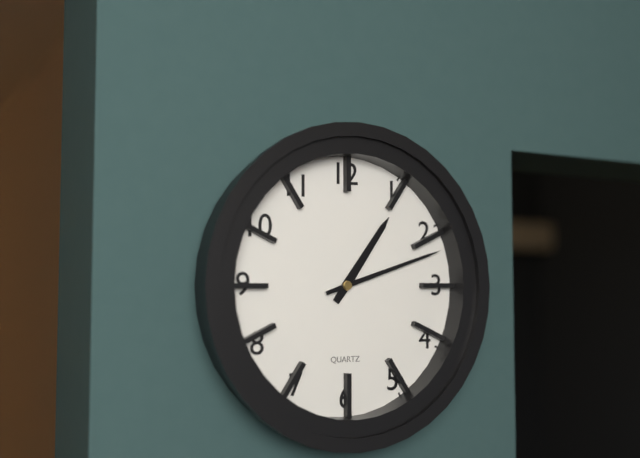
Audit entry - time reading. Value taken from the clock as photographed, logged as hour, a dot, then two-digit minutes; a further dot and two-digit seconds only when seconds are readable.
1.12
